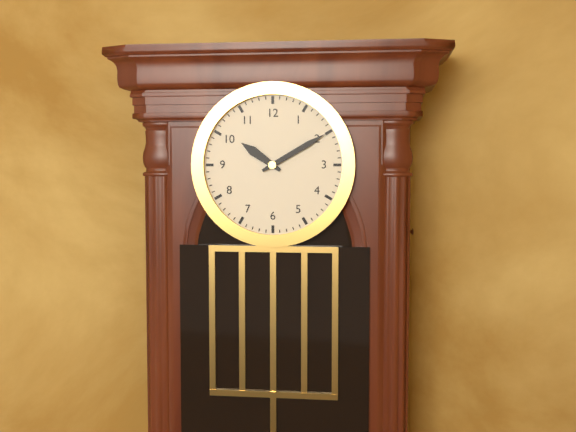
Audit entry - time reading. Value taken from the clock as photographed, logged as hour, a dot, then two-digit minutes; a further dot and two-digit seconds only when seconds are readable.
10.10
